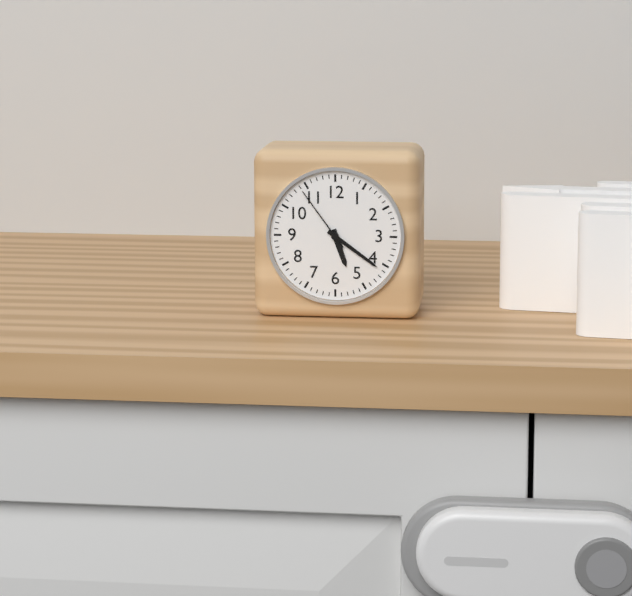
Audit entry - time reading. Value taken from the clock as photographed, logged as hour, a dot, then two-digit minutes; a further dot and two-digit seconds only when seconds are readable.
5.21.54
